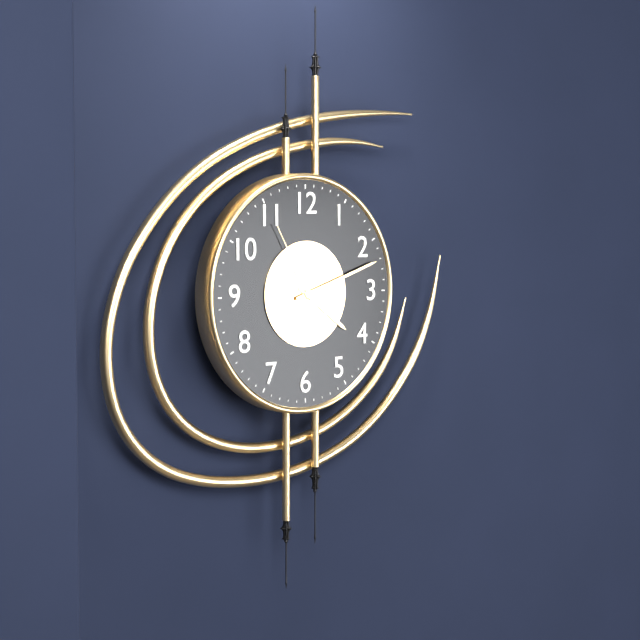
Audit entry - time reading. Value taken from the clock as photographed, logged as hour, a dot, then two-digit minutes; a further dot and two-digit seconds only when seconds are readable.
4.12.55
